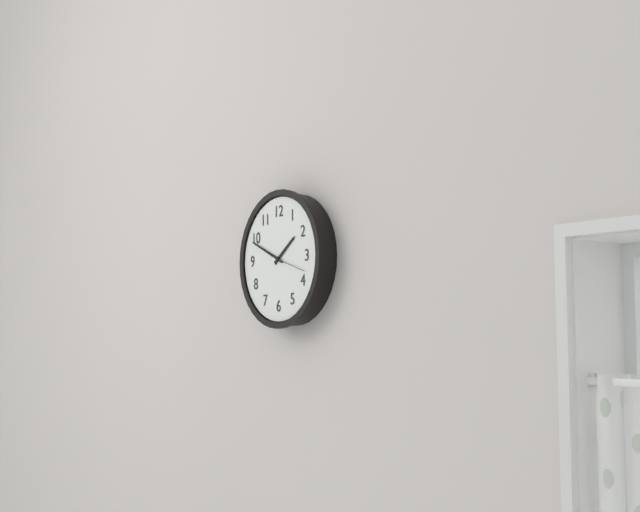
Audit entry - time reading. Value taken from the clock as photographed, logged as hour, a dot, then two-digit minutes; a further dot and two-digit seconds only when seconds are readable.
1.49
